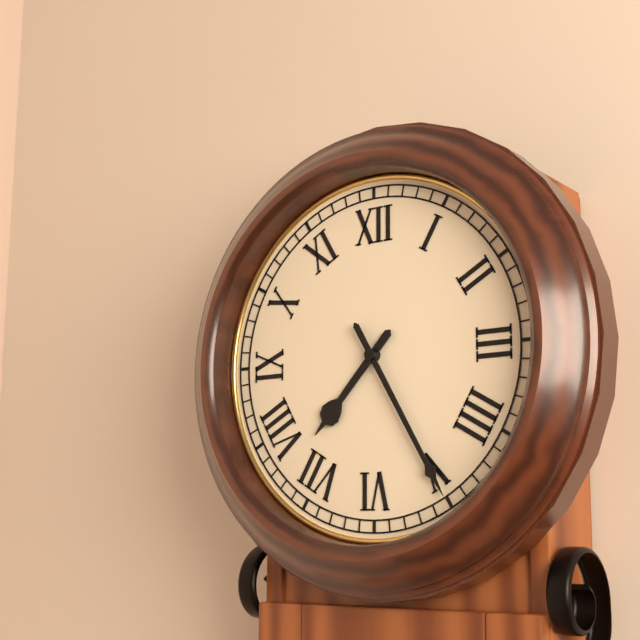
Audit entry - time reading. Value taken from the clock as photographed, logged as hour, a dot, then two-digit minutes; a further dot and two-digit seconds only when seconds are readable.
7.25
